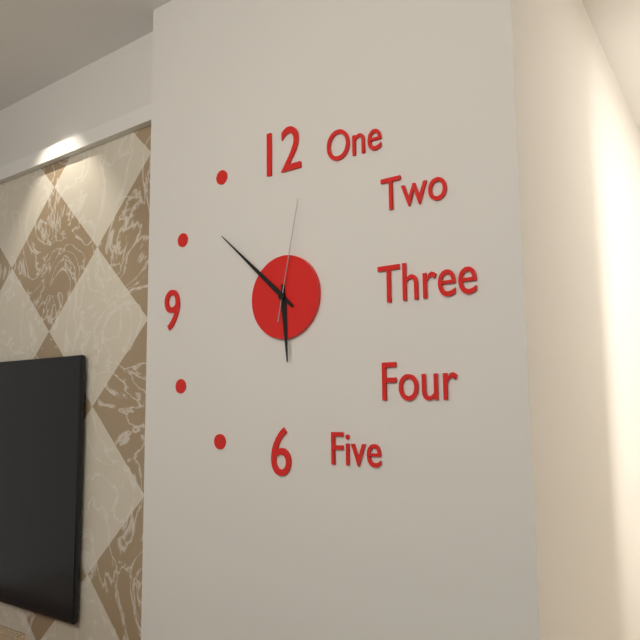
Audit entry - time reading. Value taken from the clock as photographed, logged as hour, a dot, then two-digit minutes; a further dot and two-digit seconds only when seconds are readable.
5.52.02
